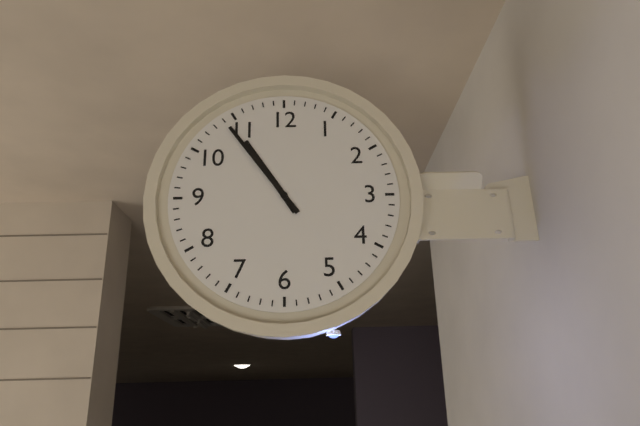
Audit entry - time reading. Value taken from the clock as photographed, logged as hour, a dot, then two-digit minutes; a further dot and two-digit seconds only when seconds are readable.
10.54
